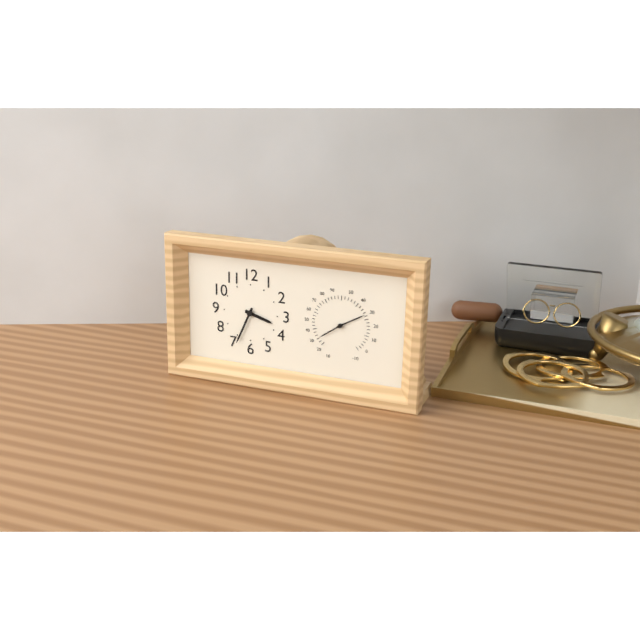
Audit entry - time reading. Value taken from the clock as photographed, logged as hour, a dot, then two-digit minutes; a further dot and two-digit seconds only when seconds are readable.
3.34
